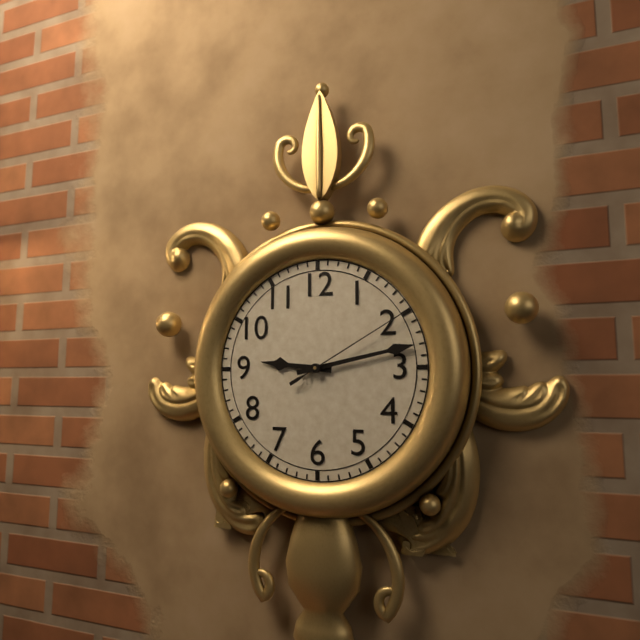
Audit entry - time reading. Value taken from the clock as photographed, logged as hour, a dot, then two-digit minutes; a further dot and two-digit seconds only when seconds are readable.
9.13.10
